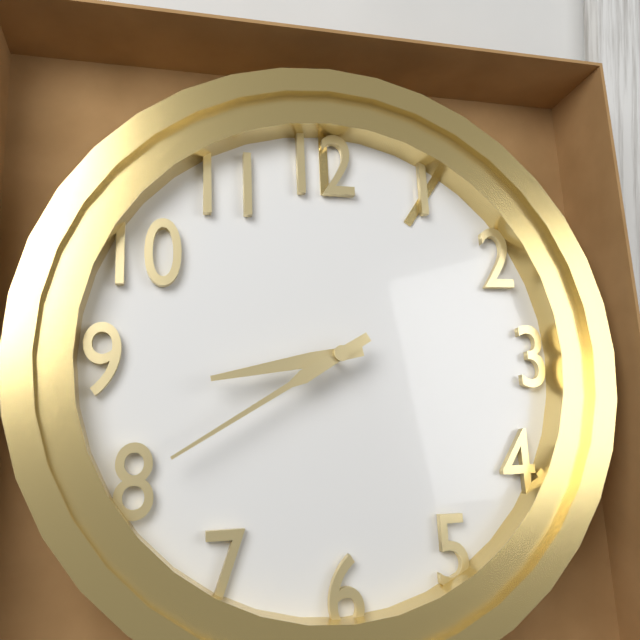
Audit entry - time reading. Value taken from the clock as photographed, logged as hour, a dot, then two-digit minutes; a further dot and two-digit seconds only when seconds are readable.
8.40
